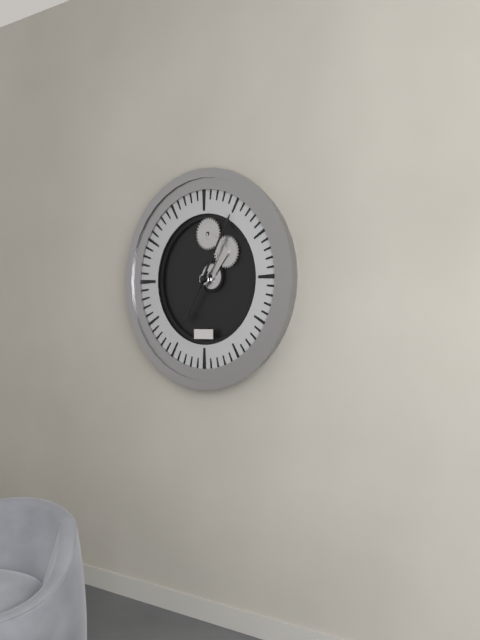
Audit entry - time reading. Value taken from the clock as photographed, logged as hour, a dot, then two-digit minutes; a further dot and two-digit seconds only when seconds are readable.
7.05
